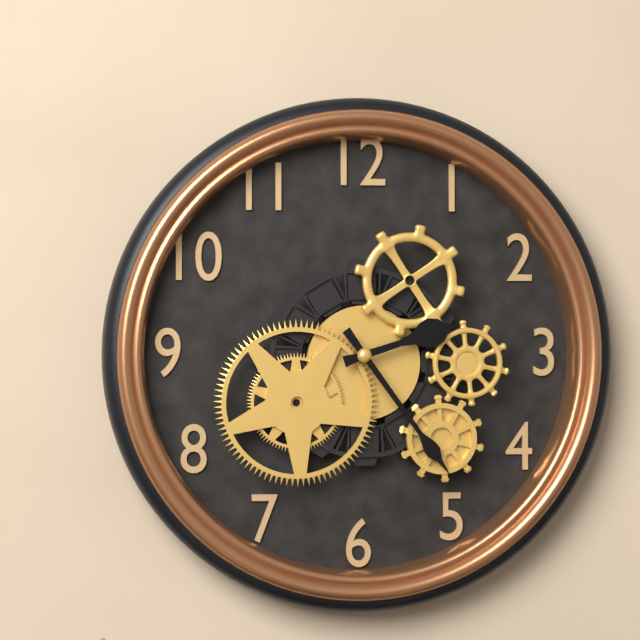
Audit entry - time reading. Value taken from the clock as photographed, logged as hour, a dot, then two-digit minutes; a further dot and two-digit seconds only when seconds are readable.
2.24
